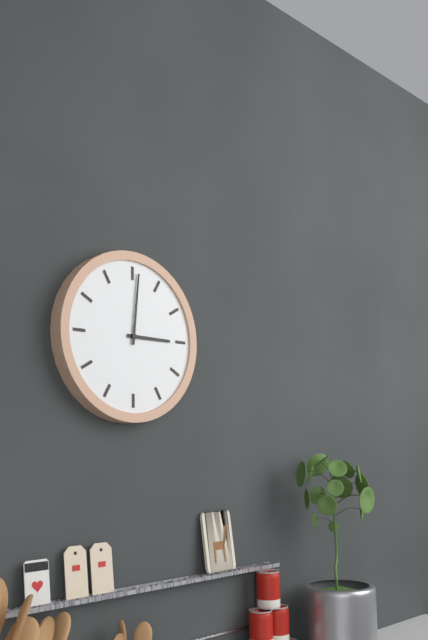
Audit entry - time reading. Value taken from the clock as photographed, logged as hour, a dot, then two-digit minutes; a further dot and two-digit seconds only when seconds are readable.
3.01
